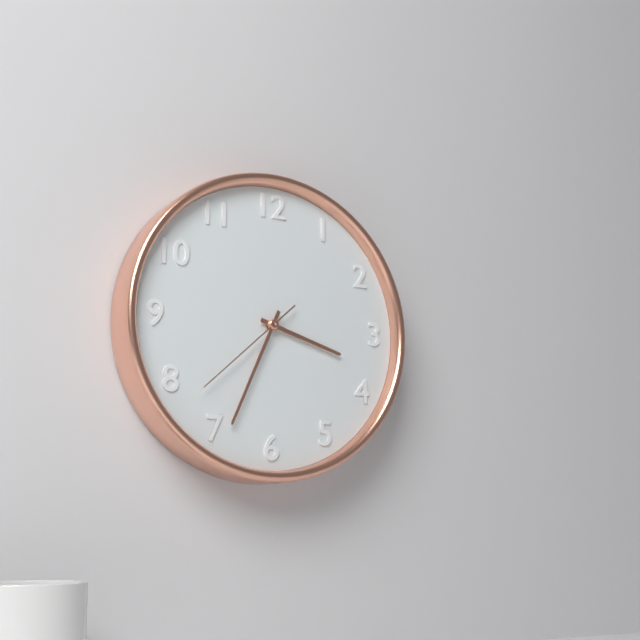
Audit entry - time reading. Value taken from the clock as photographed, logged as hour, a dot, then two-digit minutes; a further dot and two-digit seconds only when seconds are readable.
3.34.38
